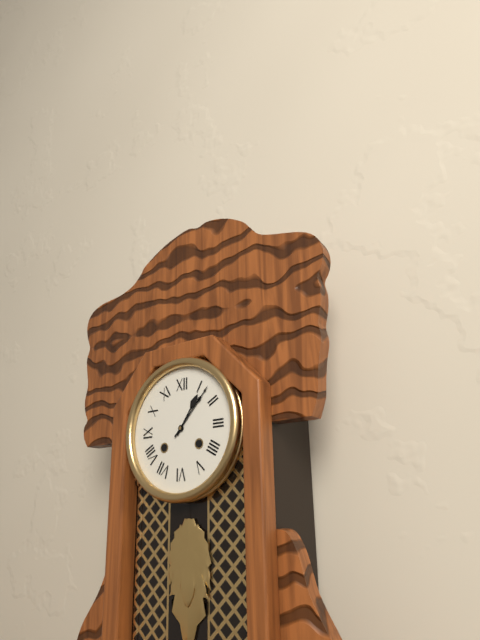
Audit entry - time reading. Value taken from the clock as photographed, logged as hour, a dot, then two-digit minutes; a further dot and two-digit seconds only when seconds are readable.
1.07
